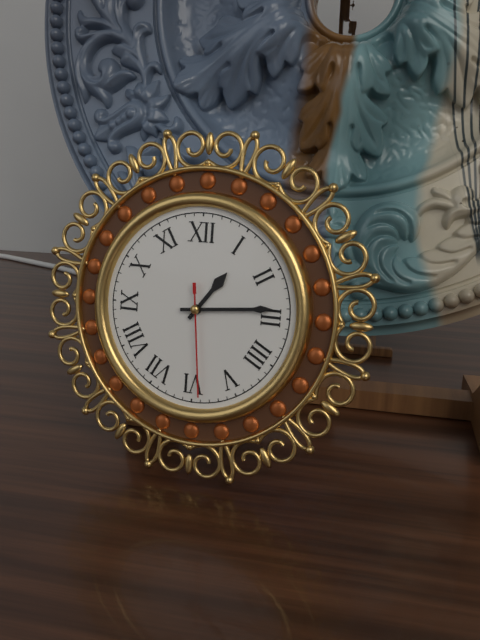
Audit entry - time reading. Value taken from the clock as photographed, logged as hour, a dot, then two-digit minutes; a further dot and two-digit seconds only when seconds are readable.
1.14.29
